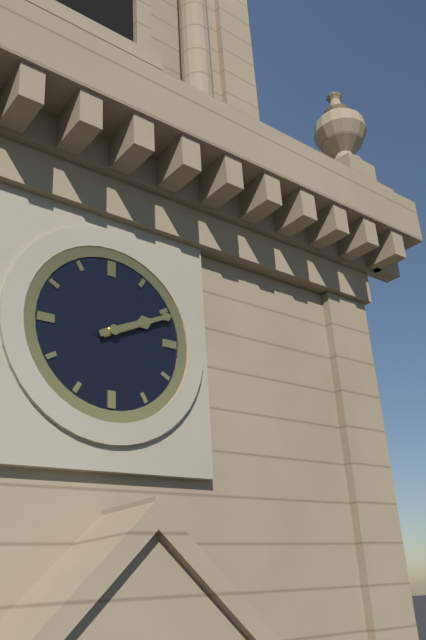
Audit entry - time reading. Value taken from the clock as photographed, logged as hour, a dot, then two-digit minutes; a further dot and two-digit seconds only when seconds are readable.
2.11
